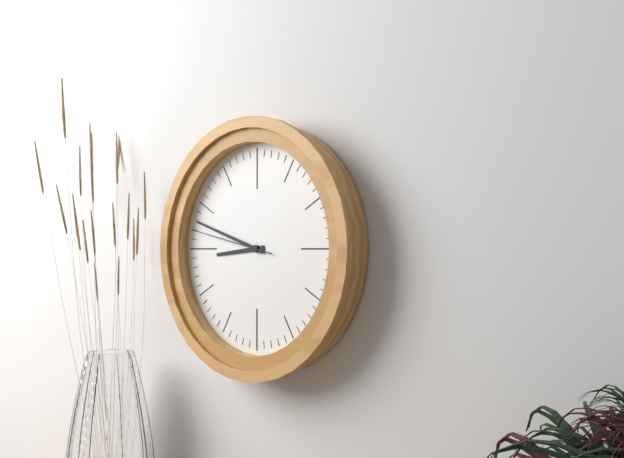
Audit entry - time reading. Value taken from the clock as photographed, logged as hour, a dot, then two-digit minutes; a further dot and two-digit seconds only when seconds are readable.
8.48.47
